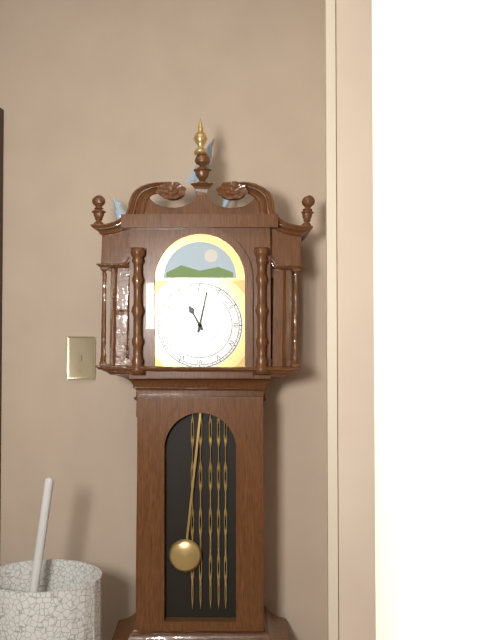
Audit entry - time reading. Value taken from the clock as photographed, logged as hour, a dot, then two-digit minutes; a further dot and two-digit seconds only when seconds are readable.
11.02
